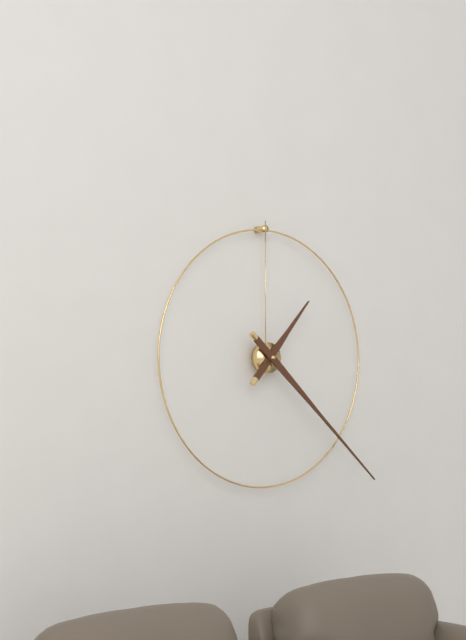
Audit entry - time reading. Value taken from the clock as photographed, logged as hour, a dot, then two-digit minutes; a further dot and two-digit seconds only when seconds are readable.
1.22
